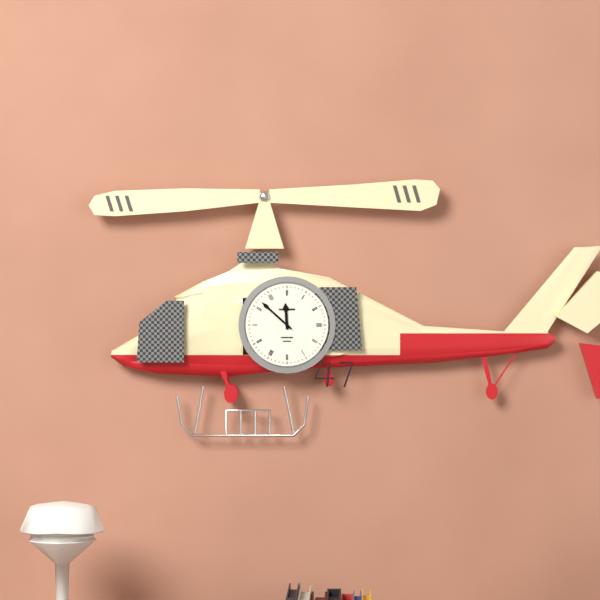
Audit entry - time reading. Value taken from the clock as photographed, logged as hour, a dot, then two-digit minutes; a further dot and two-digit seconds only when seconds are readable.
11.52
